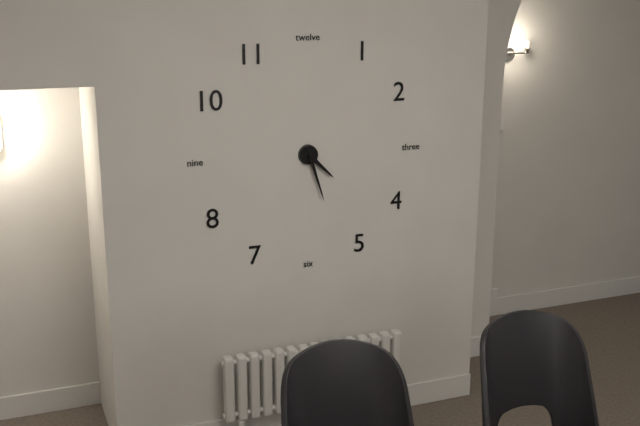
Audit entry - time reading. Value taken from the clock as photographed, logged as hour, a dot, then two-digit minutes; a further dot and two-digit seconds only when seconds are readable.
4.27
